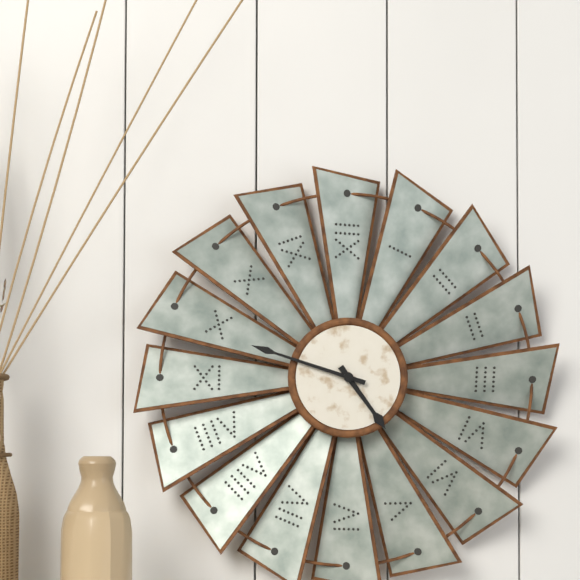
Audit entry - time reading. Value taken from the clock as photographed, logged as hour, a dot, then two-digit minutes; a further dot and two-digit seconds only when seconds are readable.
4.48
